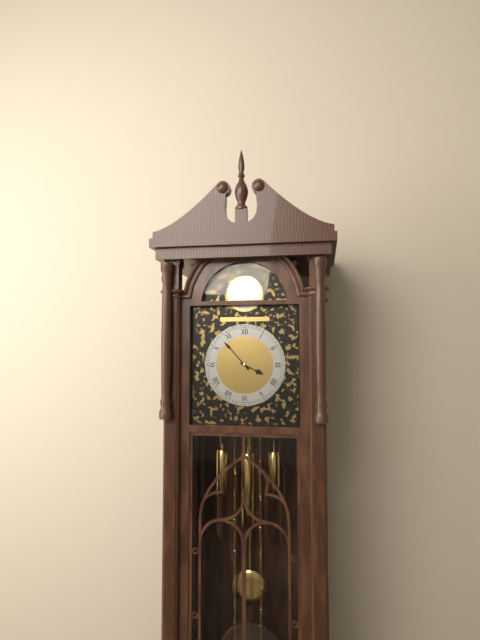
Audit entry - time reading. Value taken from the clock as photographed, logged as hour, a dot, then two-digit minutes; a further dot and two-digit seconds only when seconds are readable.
3.53
